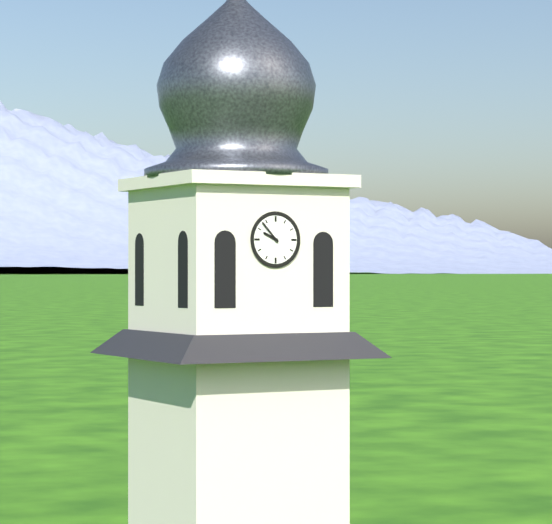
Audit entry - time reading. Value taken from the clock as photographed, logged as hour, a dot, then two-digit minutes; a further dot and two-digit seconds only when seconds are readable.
9.53
